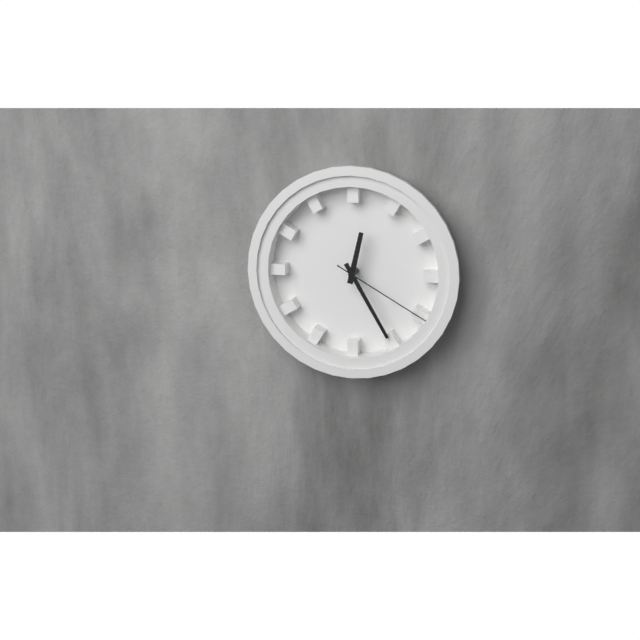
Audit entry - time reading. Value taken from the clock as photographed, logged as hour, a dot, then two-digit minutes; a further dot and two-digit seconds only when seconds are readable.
12.25.20
